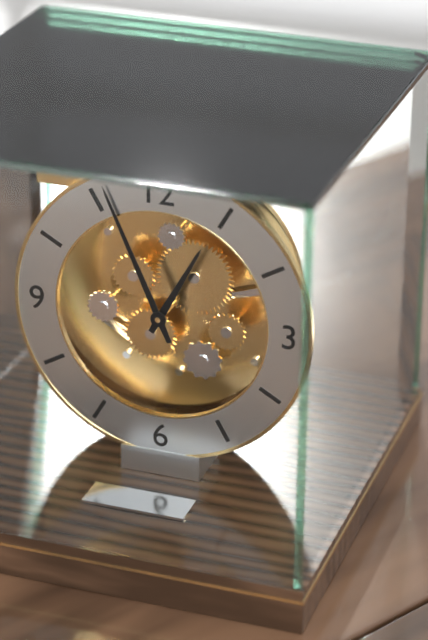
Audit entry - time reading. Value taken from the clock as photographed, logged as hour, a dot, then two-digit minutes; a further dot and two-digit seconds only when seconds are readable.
12.56
